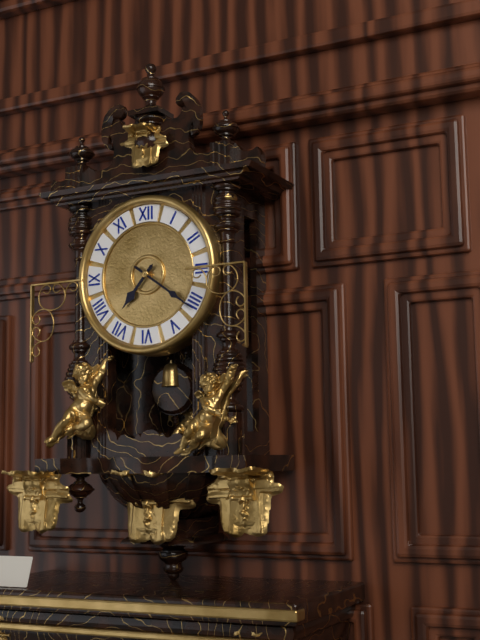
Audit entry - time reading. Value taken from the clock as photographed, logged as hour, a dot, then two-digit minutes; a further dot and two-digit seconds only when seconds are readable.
7.21
